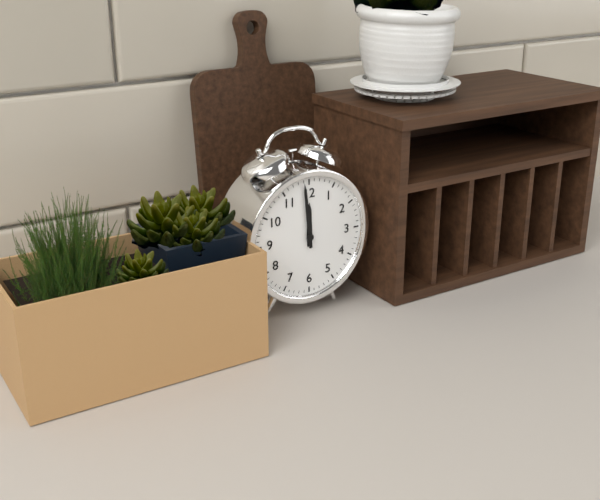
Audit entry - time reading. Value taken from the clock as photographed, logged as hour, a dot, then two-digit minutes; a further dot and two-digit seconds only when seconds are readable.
11.59
